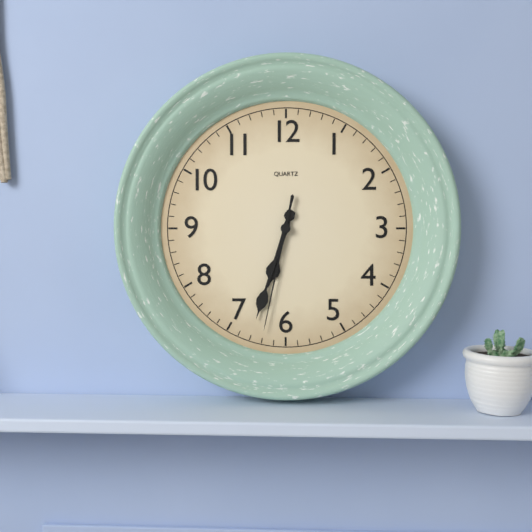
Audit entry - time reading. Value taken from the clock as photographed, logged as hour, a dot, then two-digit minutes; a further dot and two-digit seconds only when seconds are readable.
6.33.32
